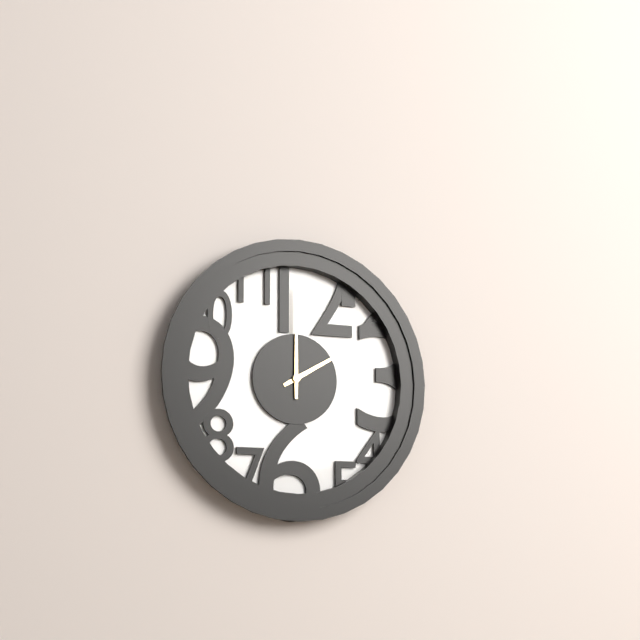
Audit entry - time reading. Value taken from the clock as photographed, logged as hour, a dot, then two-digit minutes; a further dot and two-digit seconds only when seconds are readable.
2.00
